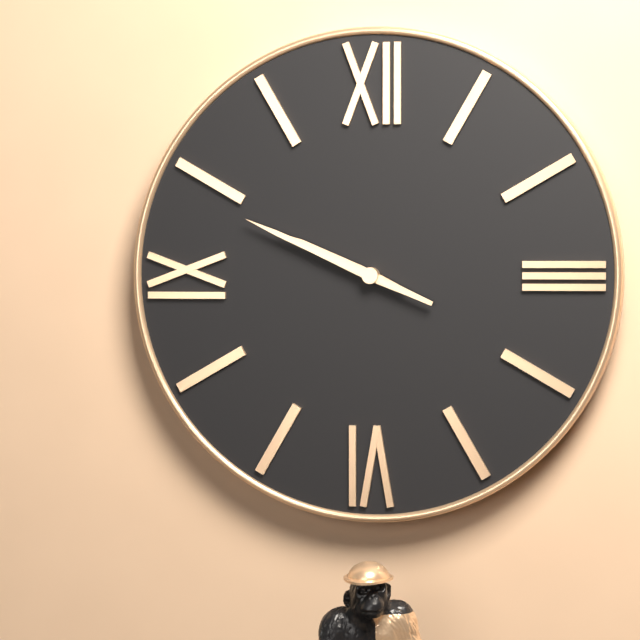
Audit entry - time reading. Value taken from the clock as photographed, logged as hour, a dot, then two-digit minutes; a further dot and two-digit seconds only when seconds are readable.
9.49
